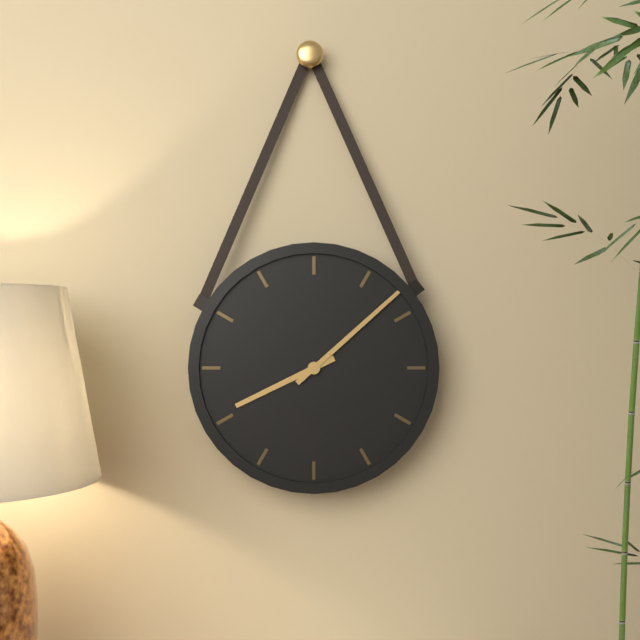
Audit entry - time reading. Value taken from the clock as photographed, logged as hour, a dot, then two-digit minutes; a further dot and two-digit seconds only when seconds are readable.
8.08
